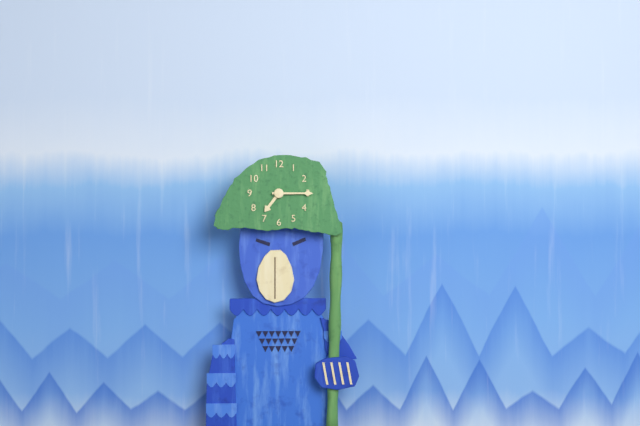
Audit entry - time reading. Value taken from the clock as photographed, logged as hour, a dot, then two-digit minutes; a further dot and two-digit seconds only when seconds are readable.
7.15
